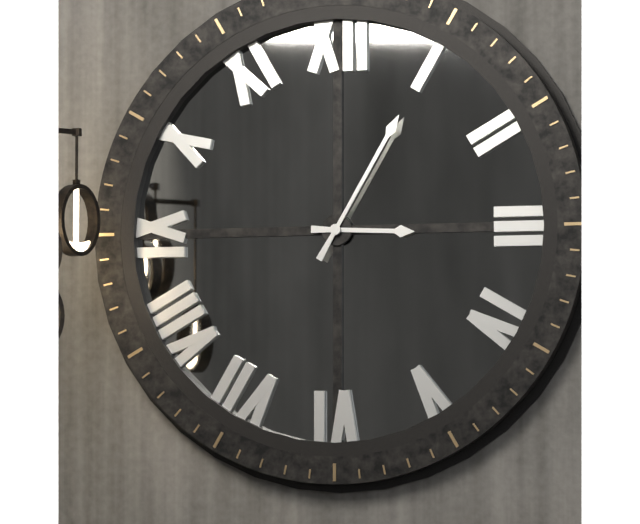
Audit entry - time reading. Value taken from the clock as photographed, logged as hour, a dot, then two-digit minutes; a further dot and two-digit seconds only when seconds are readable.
3.05
